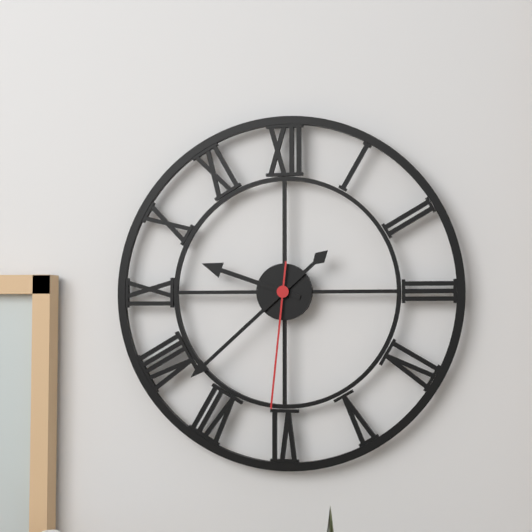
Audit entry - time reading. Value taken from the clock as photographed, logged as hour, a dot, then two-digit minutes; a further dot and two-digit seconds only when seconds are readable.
9.38.31
